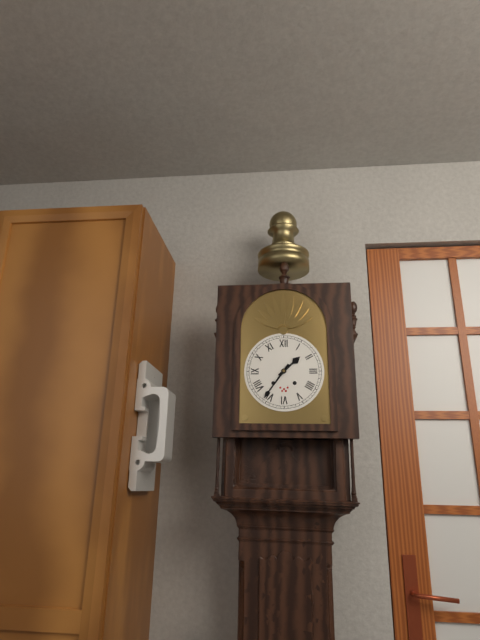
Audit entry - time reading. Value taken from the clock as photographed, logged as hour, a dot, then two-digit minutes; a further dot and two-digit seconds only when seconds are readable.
1.36
